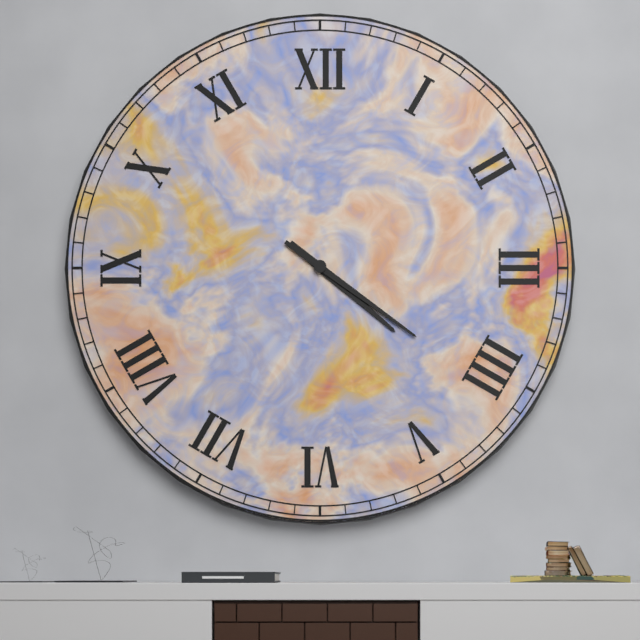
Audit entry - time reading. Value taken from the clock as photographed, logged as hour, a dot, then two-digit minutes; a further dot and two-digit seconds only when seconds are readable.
4.21
